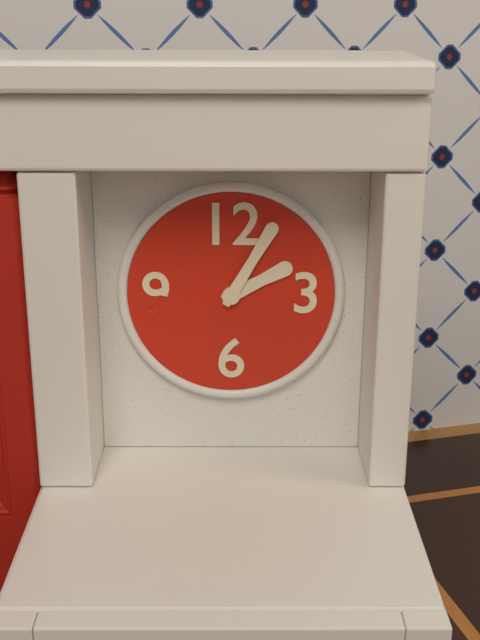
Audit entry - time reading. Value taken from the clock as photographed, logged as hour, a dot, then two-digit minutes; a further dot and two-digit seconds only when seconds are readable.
2.05
